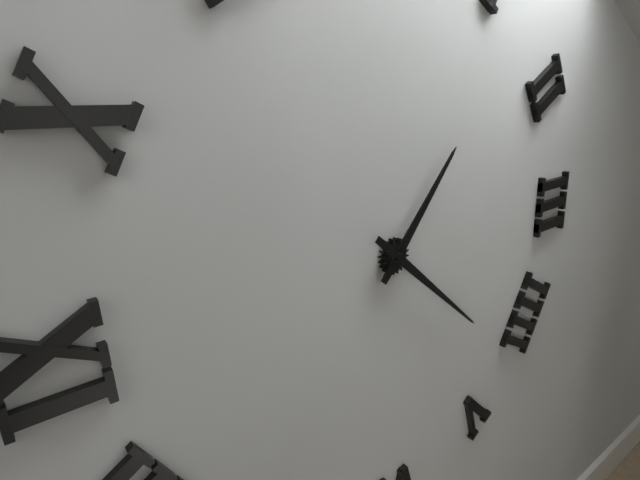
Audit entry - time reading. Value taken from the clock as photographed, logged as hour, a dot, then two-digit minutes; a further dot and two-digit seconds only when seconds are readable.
1.22
